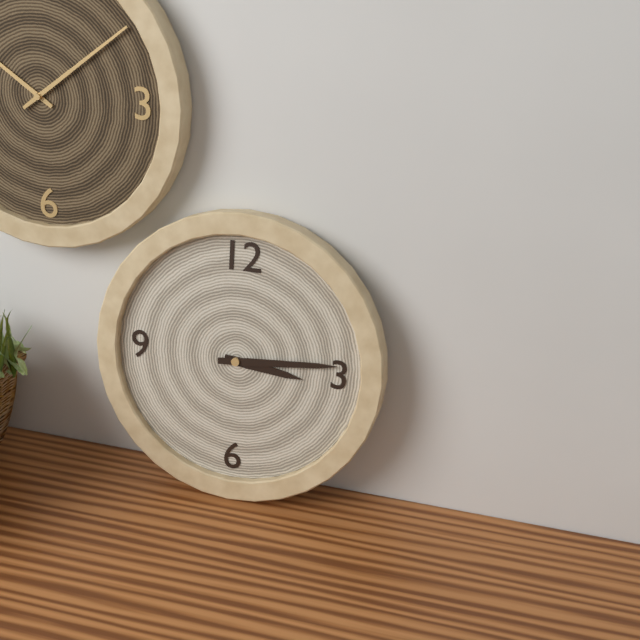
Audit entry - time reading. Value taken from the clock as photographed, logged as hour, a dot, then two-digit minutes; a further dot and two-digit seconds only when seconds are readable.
3.14
